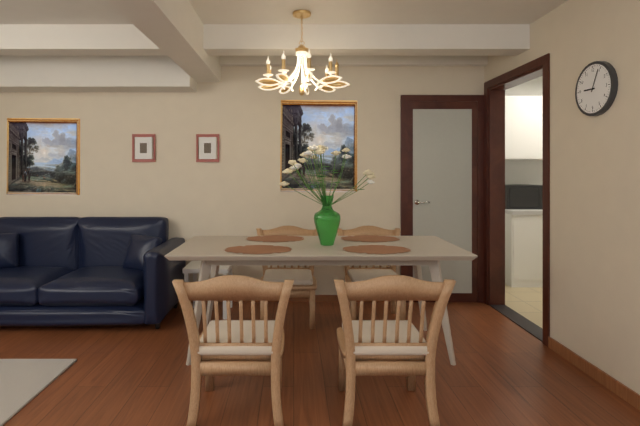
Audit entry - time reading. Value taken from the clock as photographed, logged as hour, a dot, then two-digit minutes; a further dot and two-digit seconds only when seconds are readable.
9.04
